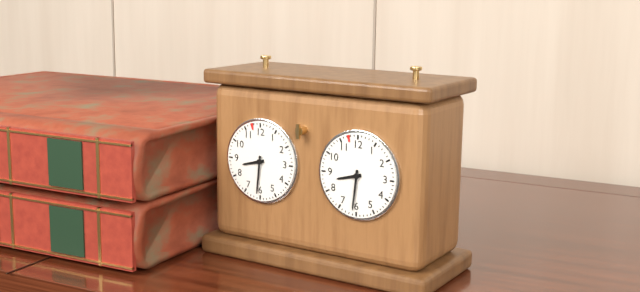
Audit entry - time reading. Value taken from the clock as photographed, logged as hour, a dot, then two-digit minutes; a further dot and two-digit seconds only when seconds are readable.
8.31
